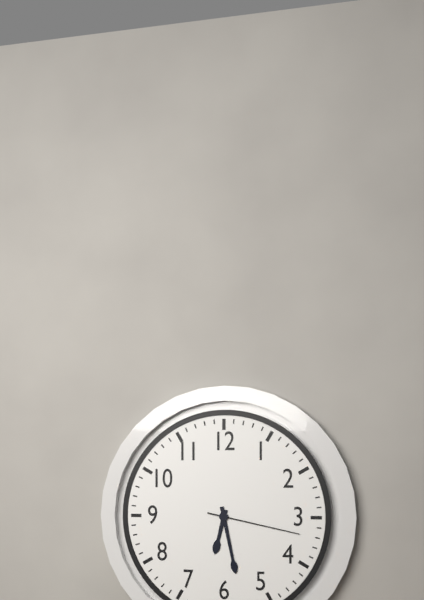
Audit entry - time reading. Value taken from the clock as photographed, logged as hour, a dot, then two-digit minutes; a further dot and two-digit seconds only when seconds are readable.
6.28.17
